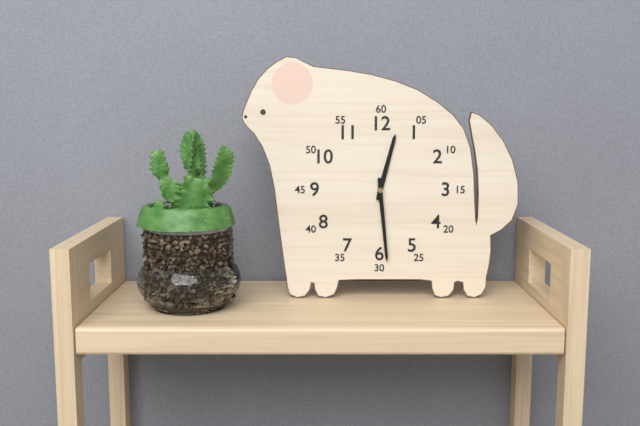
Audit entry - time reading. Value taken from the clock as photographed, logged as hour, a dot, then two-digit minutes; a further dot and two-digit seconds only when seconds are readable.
12.29
